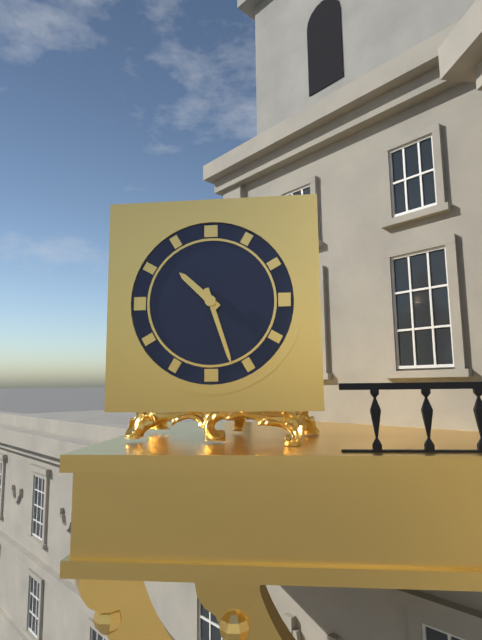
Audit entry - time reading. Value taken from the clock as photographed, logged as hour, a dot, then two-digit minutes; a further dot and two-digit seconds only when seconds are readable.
10.27
